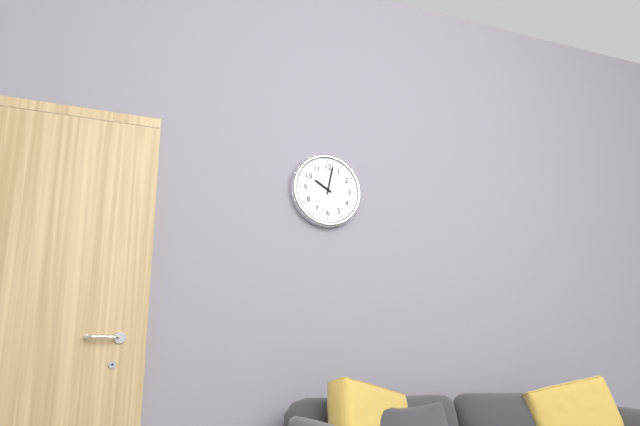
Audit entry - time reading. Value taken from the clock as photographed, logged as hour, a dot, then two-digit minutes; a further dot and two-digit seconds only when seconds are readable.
10.02
